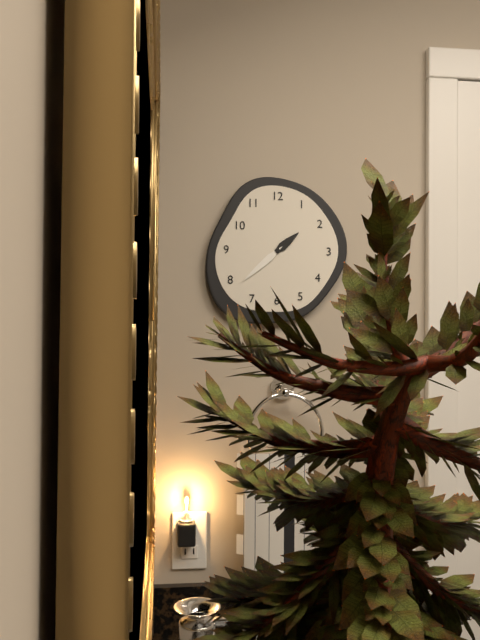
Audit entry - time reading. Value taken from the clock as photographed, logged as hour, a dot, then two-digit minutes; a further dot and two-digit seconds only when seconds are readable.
1.38
